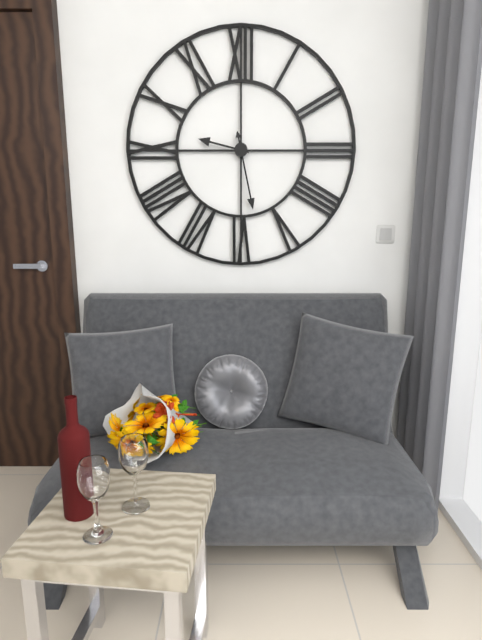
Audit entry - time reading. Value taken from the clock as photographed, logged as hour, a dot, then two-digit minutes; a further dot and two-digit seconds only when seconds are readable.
9.28
